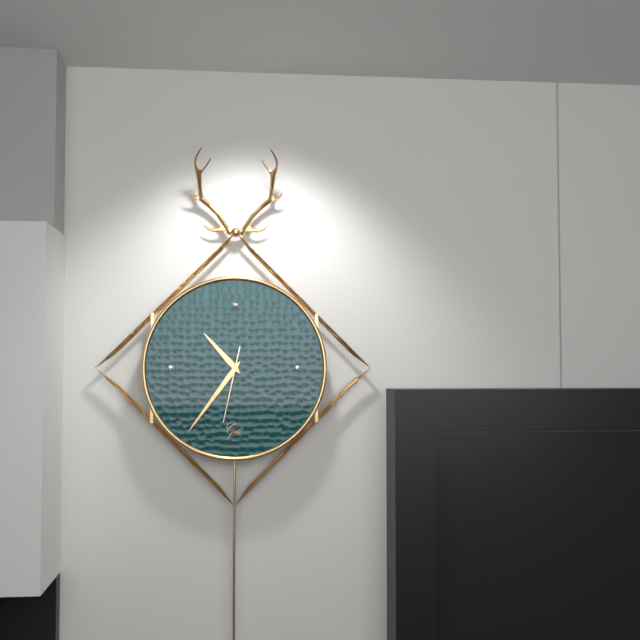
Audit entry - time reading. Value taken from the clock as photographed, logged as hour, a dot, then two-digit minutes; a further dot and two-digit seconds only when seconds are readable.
10.36.32
